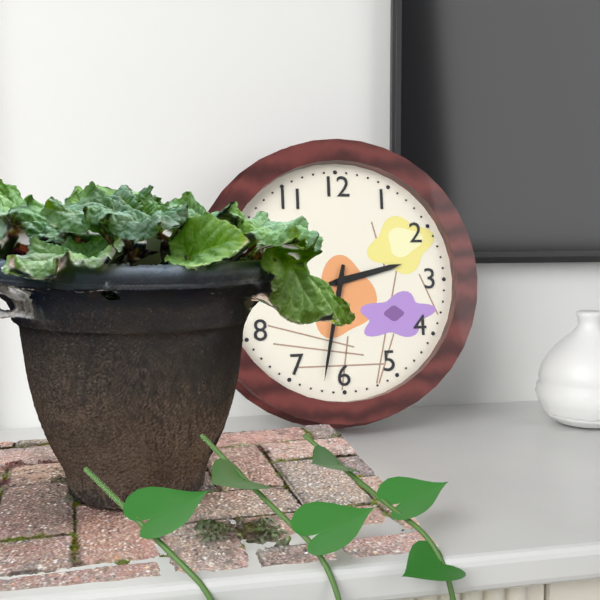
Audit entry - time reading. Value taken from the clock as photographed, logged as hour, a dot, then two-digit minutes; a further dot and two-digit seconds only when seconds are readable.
2.32
